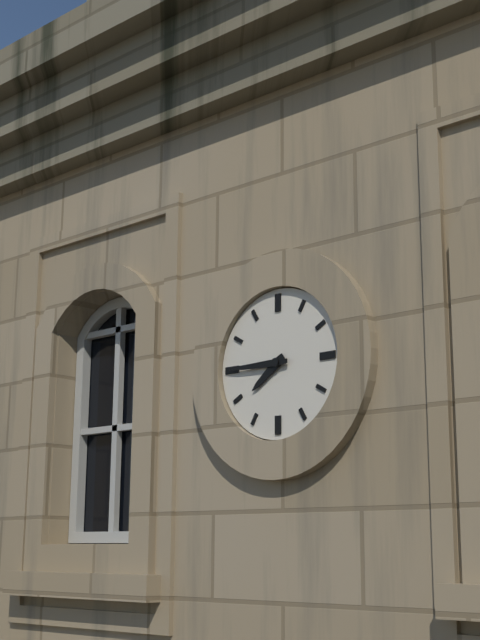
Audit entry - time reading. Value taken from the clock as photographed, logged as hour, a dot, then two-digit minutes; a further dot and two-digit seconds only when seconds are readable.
7.45
